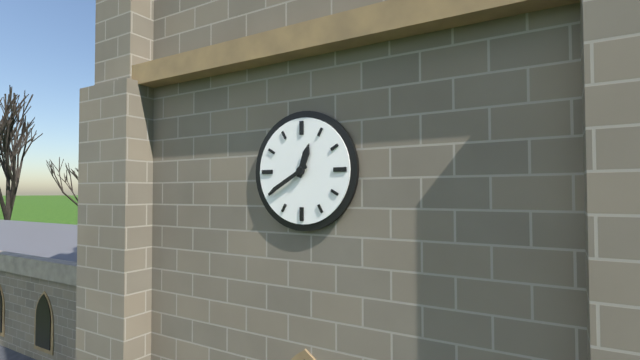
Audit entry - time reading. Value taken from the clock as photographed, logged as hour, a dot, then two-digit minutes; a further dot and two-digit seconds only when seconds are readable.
12.40
